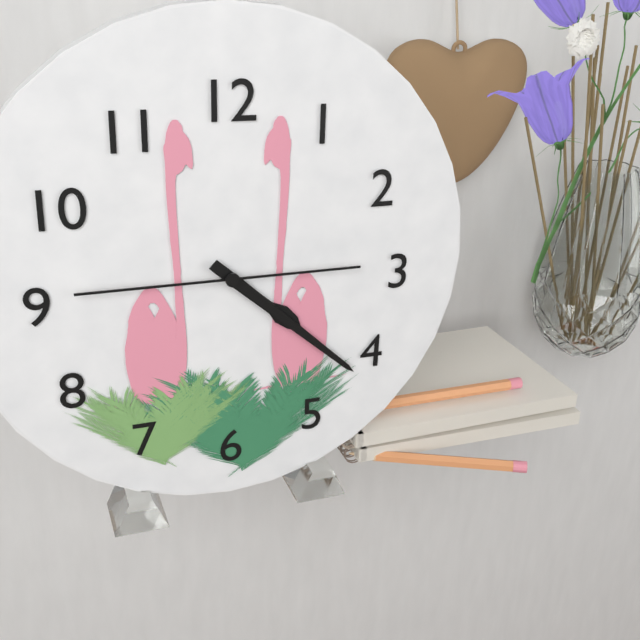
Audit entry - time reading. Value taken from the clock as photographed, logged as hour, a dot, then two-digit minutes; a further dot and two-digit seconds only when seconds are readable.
4.22.45
